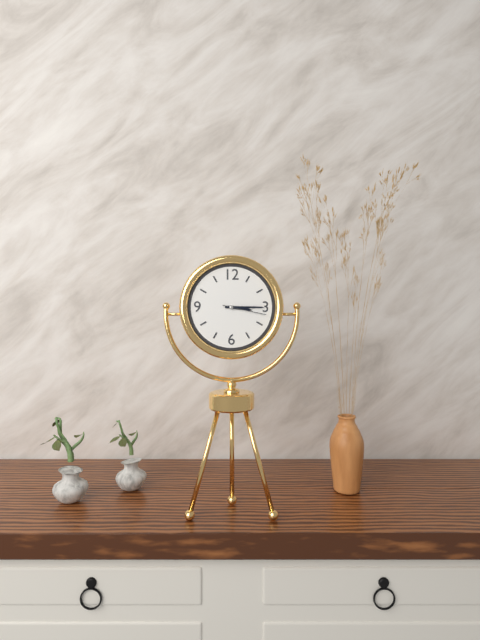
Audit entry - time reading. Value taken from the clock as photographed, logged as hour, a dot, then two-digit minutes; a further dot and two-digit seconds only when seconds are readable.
3.15
